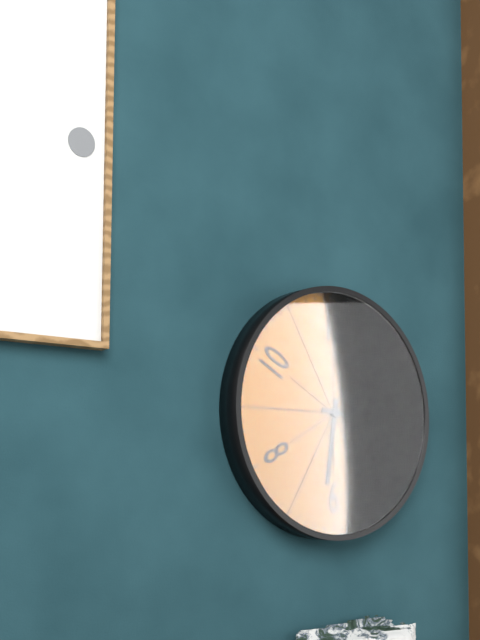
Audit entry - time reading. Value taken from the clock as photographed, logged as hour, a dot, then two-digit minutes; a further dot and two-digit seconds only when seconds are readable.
6.16
